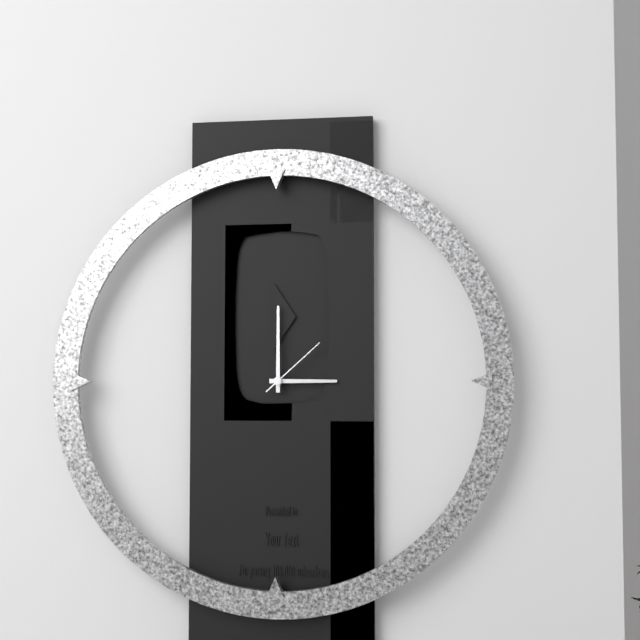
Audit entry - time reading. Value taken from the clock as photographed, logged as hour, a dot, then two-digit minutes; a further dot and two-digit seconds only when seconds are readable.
3.00.08
